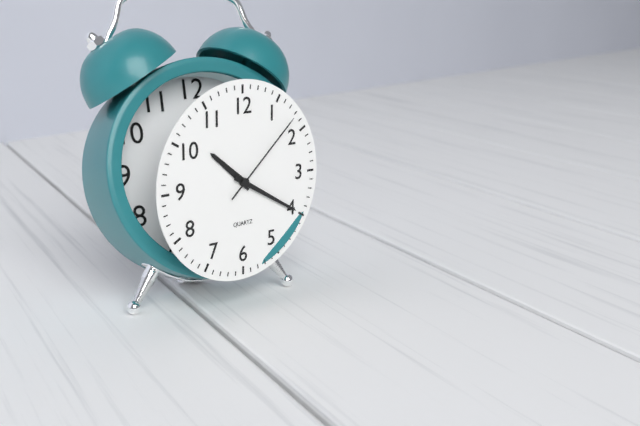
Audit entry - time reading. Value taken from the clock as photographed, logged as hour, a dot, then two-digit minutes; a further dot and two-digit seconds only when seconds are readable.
10.20.08
